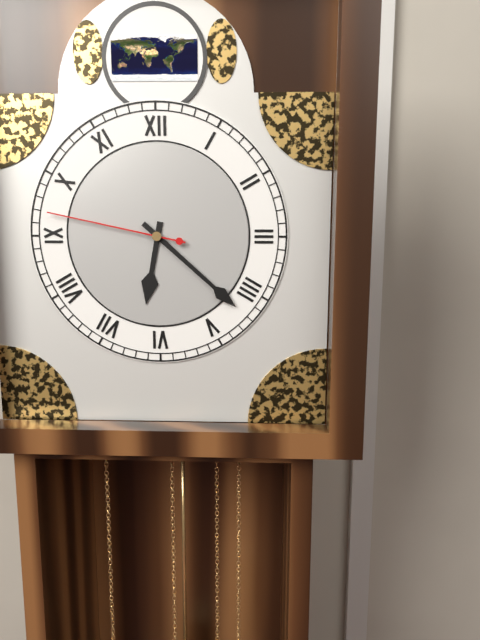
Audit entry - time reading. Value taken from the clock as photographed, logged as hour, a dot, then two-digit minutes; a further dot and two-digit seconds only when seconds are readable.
6.22.47
